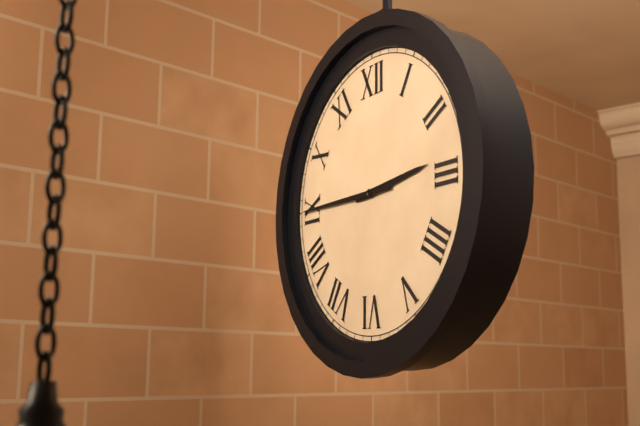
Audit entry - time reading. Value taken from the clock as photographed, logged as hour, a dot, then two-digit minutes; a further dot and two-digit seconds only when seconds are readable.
2.45
